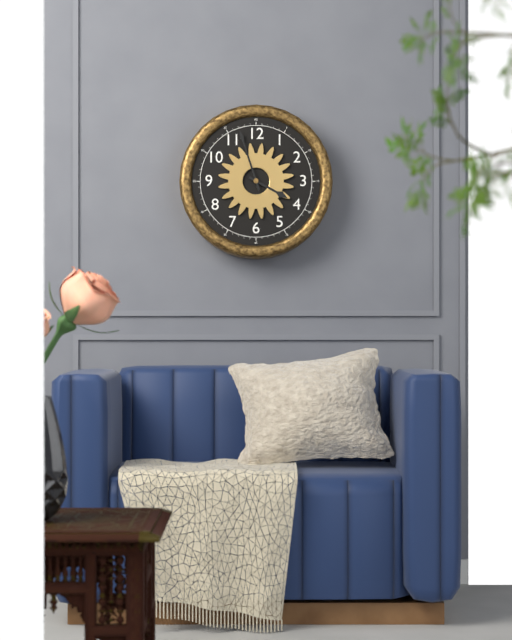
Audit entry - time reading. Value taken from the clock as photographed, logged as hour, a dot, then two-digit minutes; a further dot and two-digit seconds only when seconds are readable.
3.57
